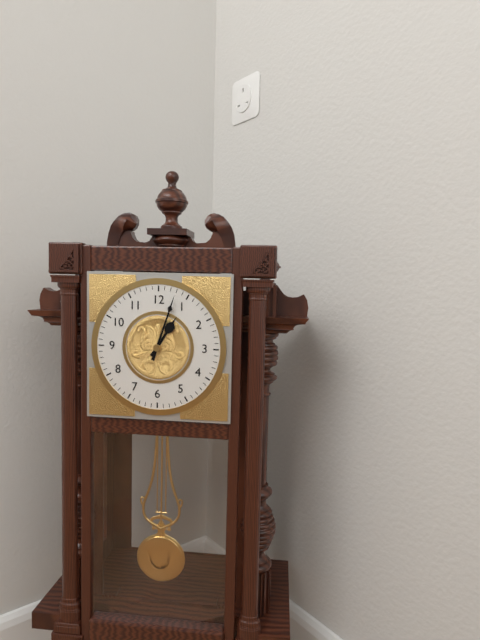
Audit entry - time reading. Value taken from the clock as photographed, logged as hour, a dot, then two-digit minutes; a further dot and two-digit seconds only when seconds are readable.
1.03
